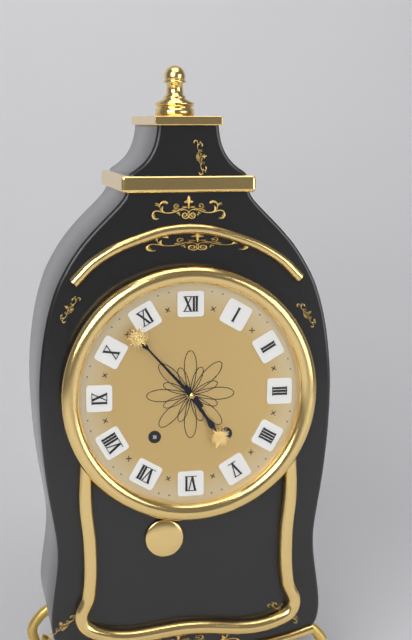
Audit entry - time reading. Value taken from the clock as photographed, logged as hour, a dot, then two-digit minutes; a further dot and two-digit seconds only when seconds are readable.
4.53
